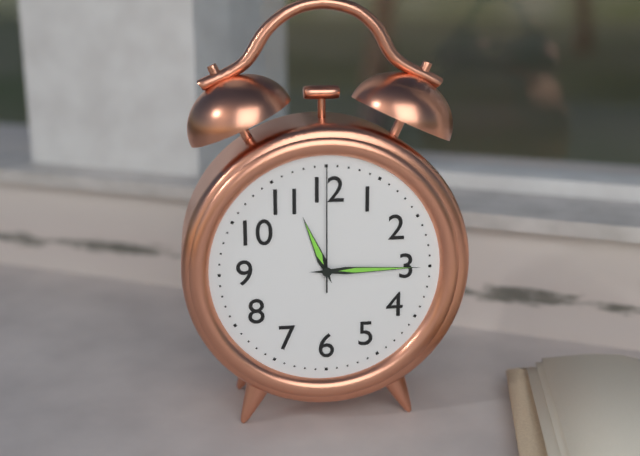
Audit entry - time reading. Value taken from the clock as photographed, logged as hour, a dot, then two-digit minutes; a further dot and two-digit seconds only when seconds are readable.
11.15.00
